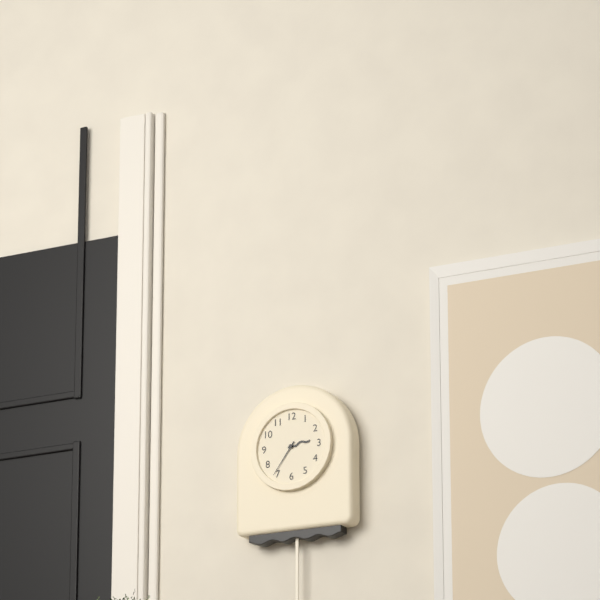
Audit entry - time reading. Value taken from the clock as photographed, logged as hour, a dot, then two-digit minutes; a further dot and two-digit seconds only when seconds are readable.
2.36
